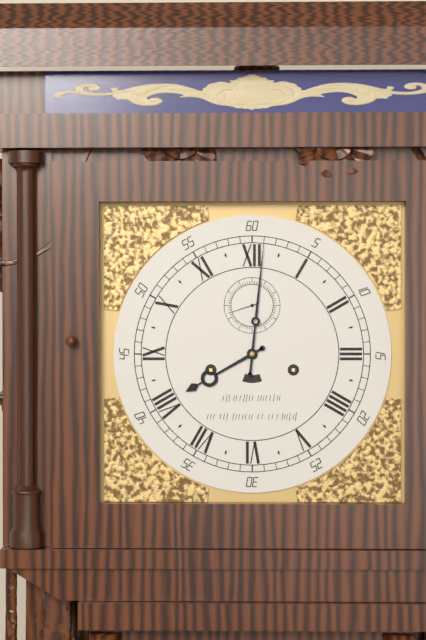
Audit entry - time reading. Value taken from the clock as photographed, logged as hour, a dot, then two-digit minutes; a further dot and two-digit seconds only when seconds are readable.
8.01
